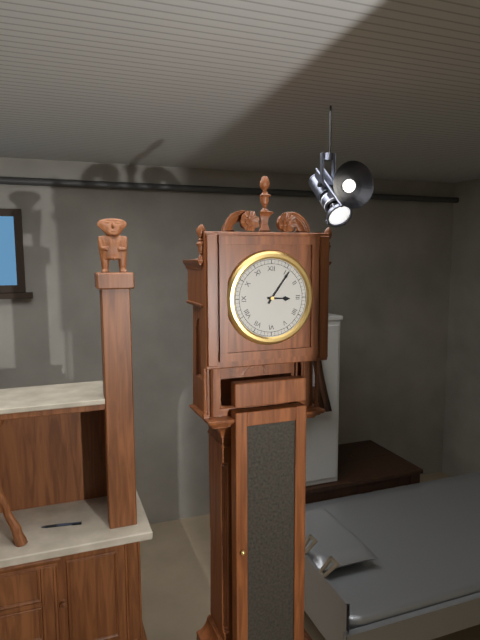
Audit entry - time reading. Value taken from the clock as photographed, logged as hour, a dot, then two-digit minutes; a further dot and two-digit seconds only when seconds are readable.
3.06
